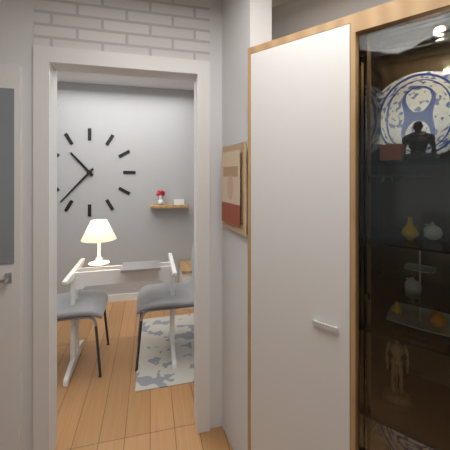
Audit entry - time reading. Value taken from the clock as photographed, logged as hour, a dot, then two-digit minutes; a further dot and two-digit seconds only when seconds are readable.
10.37
